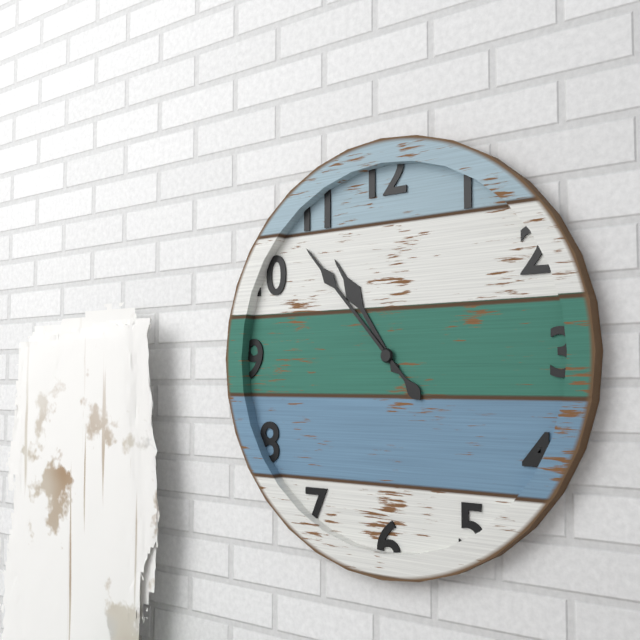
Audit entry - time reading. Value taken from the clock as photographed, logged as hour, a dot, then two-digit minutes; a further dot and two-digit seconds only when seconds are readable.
10.53
